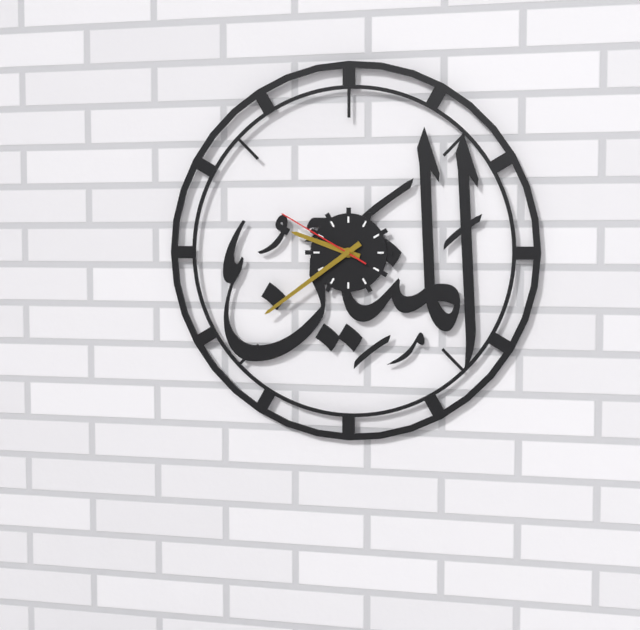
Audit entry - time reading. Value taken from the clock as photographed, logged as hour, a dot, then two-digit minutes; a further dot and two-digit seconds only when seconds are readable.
9.39.50
